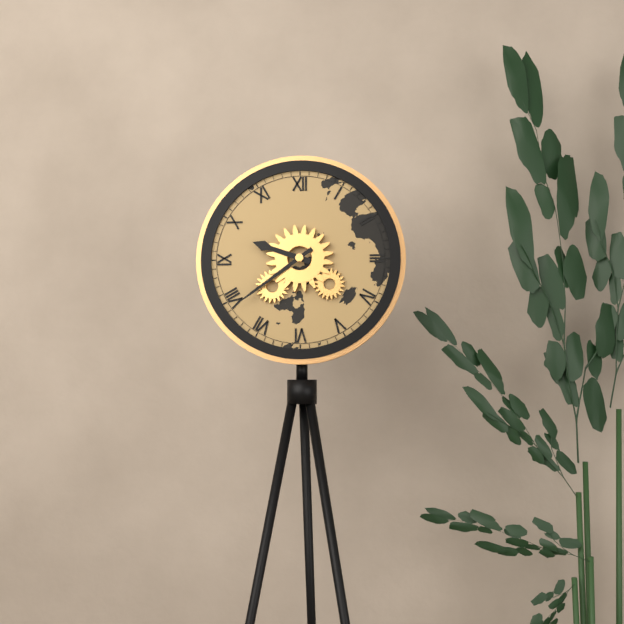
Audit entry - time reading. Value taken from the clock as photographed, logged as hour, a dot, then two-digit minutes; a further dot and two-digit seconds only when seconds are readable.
9.39
